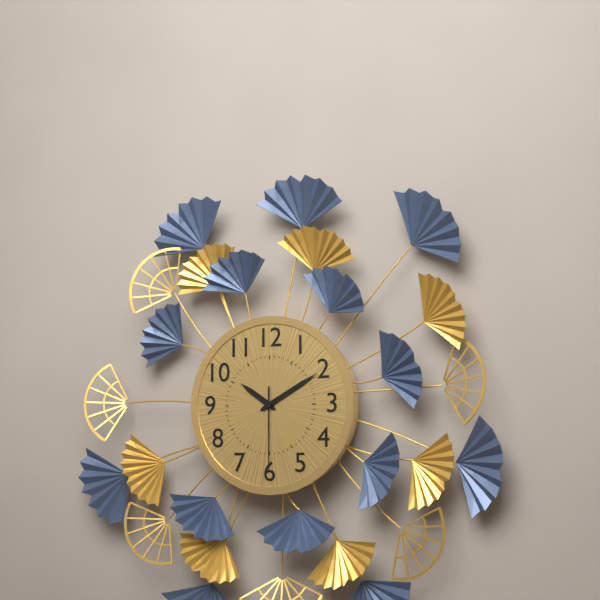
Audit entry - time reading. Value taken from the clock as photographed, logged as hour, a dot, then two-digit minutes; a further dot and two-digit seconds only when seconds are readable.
10.10.30
